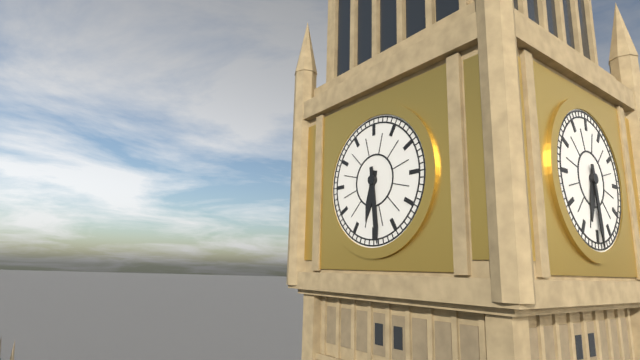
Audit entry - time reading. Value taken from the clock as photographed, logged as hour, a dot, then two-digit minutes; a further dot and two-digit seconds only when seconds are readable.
6.29
